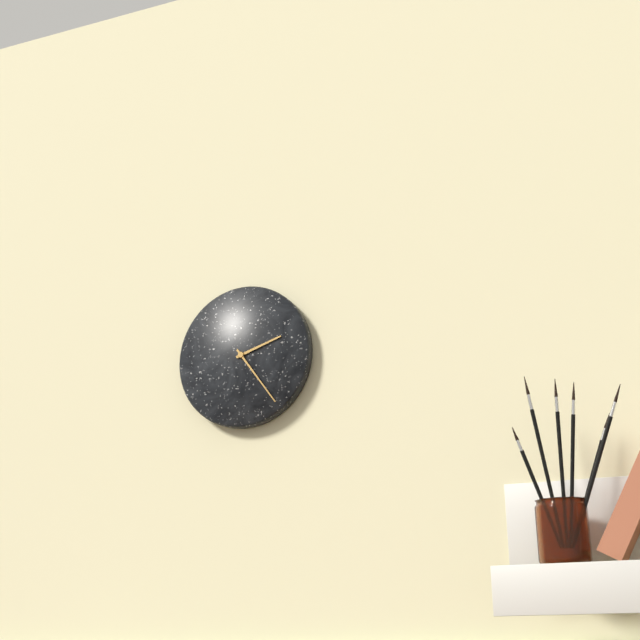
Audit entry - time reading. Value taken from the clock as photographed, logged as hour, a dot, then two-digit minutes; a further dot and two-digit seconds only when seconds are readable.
2.24
